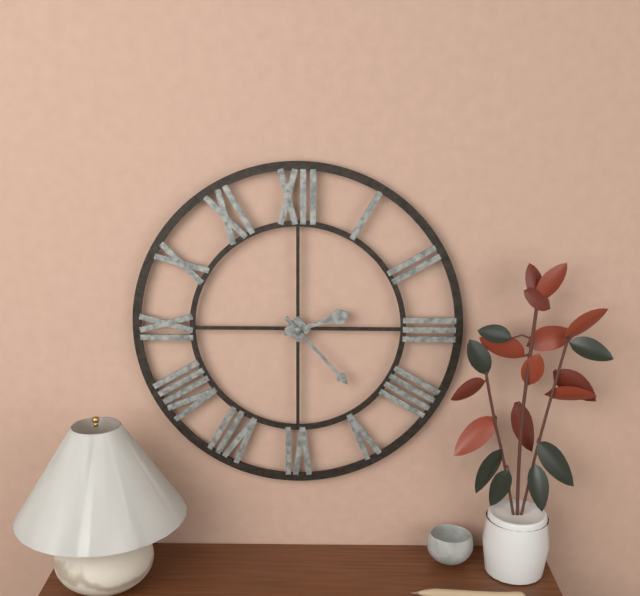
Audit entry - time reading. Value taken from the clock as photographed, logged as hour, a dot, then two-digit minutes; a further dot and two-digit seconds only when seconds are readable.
2.23
